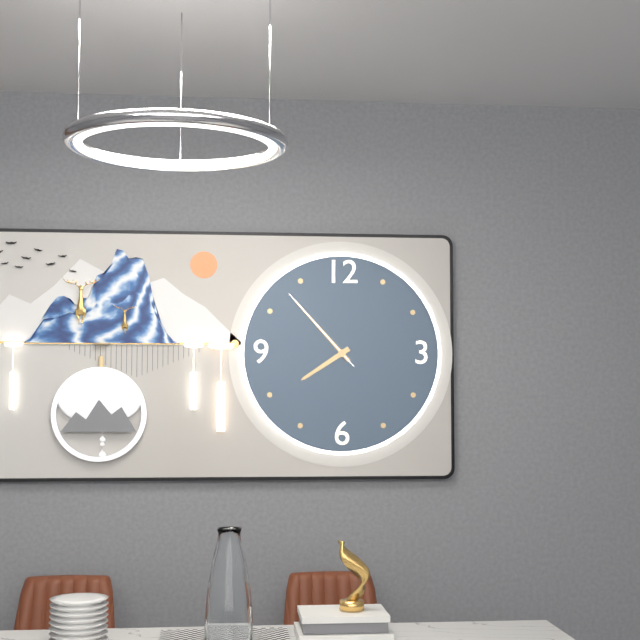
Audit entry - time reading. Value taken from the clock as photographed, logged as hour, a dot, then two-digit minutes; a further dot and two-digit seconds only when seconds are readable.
7.53.53
